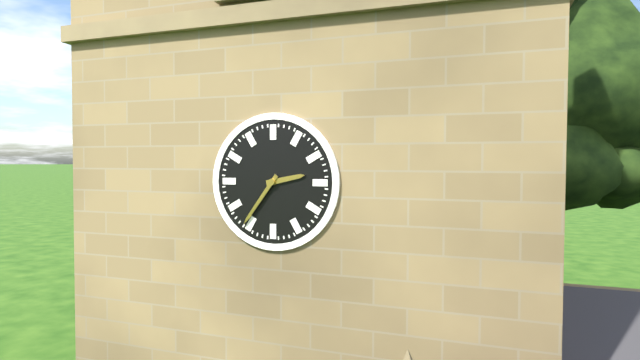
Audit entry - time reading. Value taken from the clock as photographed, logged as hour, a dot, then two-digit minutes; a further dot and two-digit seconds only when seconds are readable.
2.36
